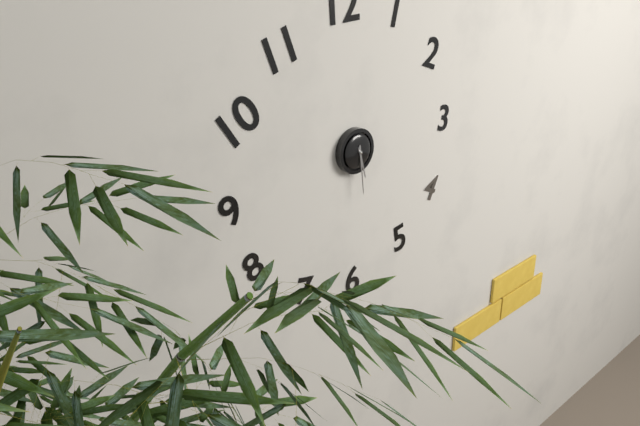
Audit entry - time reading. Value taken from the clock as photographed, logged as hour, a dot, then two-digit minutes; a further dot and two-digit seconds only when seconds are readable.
5.29
